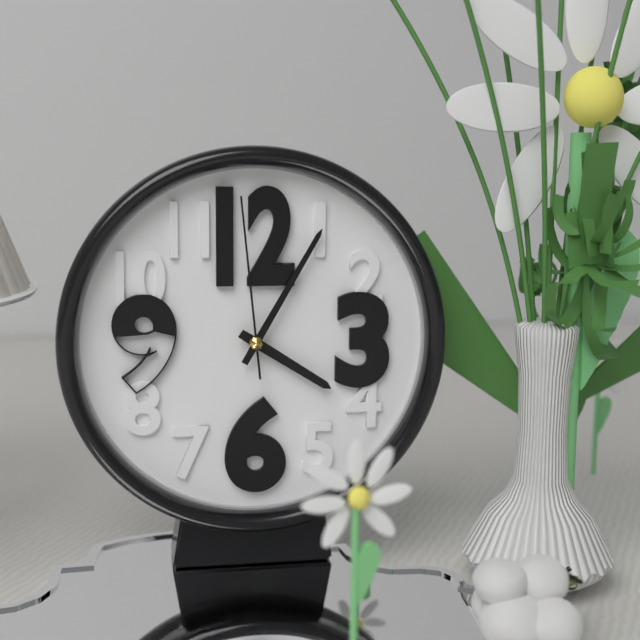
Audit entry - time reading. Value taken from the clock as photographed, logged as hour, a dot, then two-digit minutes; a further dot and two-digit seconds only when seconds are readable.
4.05.59
